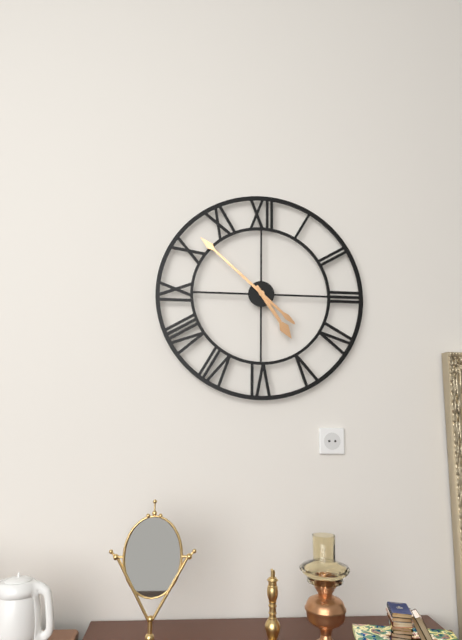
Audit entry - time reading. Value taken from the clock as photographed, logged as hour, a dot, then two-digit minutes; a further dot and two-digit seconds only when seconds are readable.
4.52
